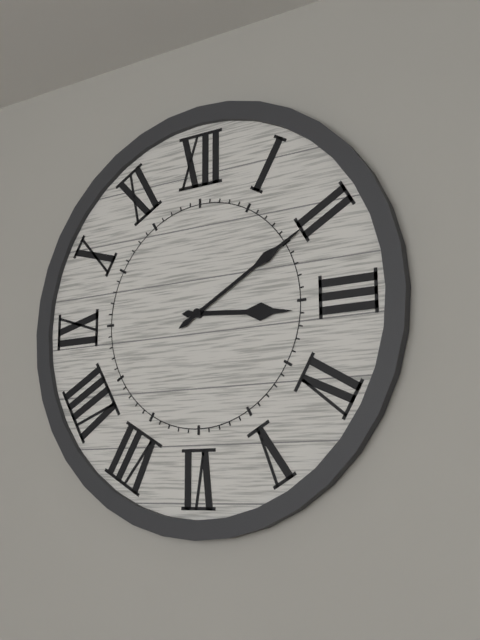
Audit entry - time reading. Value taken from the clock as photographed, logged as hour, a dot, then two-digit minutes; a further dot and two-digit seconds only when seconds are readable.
3.10
